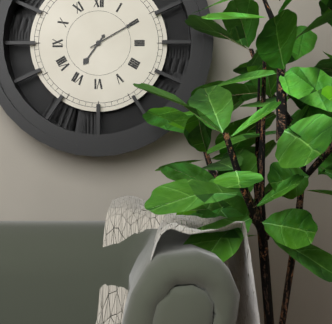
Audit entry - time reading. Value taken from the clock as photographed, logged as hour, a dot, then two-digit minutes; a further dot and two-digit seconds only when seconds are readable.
7.10
